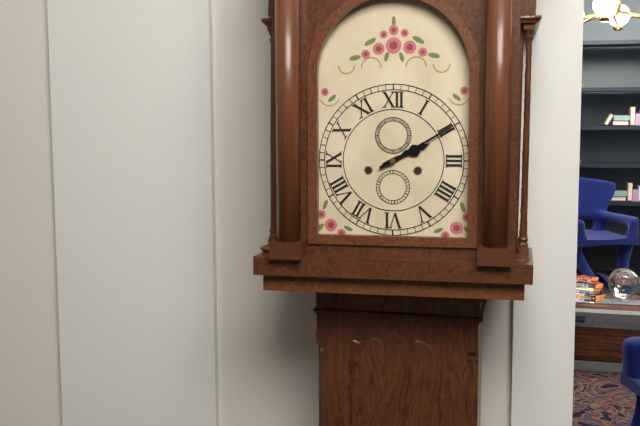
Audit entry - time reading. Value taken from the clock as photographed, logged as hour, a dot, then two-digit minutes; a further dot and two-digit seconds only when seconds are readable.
2.10
